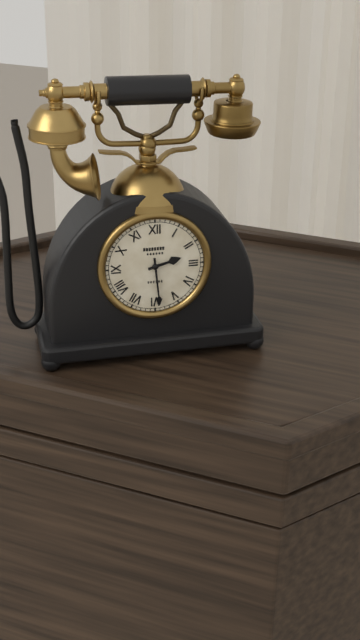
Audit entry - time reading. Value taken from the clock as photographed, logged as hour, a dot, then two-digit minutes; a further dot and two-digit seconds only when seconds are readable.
2.29
